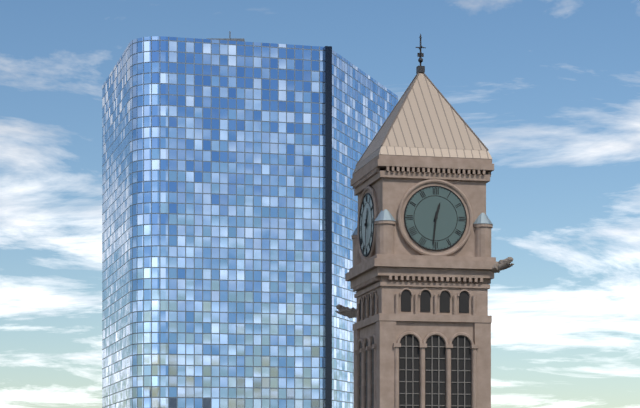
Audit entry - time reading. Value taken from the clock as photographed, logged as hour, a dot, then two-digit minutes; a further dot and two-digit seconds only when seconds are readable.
12.31
